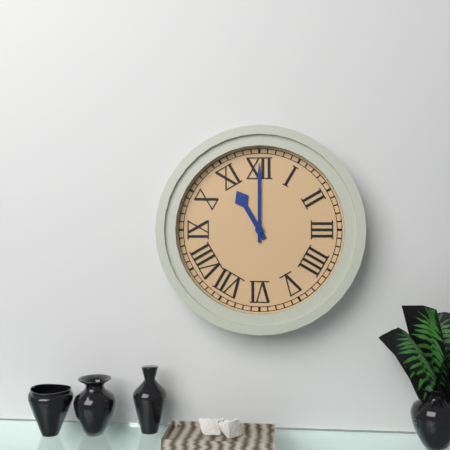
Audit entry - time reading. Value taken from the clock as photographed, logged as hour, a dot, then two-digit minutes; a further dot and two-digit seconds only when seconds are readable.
11.00
